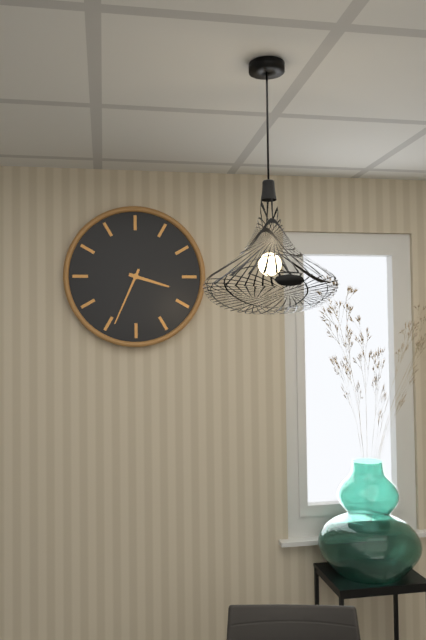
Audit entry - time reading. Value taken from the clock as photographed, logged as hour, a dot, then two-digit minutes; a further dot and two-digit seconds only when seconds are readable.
3.34
